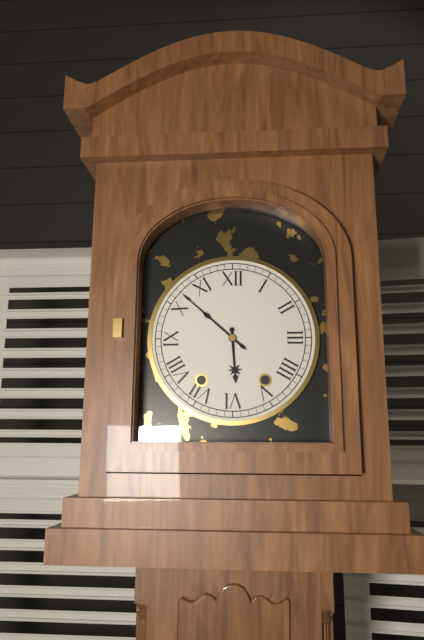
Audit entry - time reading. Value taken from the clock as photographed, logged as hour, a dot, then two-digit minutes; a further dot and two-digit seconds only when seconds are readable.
5.52
